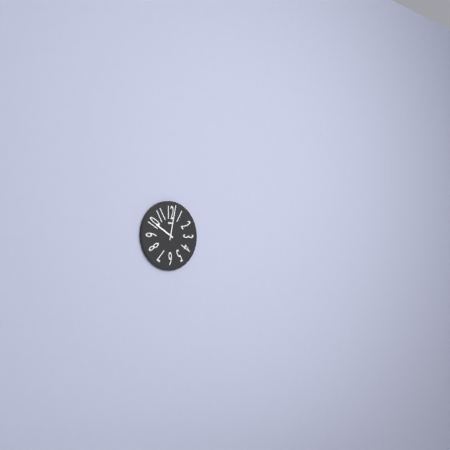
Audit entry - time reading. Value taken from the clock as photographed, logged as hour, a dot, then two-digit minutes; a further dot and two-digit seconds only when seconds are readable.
10.02
